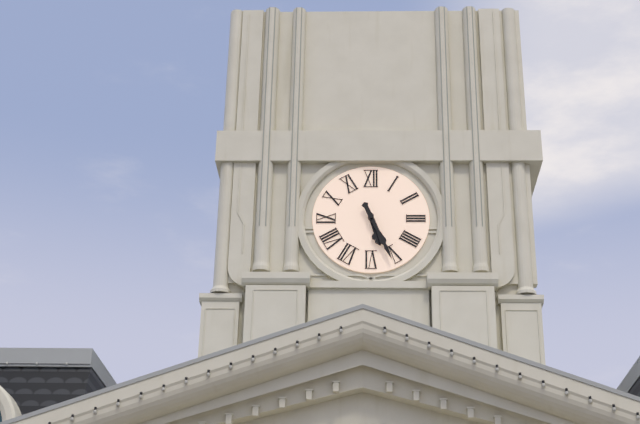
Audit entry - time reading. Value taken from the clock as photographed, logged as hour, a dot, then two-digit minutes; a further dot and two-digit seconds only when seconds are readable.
5.26
